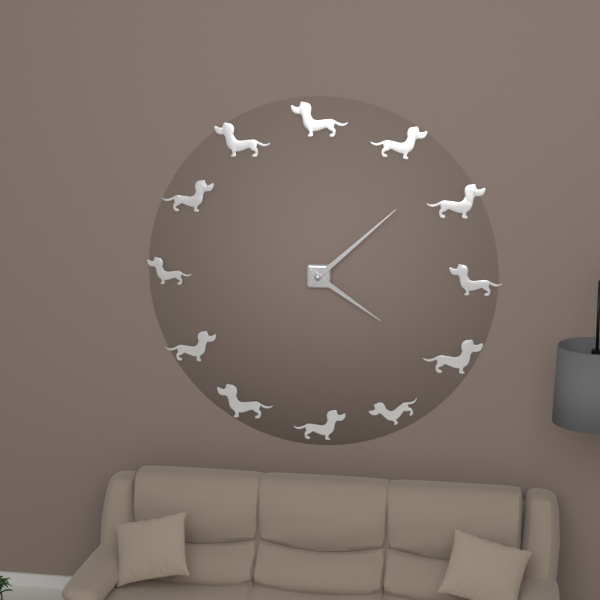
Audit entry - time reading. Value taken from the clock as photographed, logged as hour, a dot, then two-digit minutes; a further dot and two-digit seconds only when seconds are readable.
4.08
